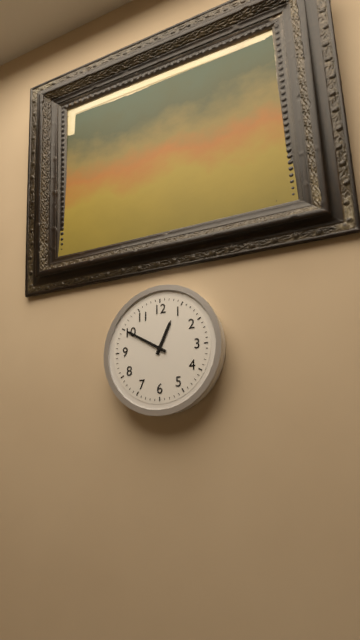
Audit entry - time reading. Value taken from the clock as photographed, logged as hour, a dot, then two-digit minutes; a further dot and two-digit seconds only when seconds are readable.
12.50
